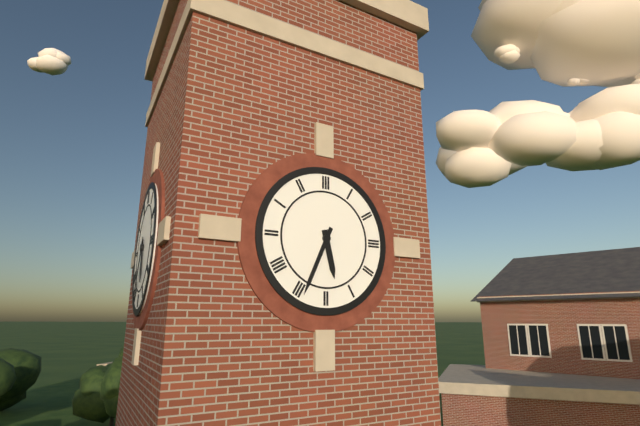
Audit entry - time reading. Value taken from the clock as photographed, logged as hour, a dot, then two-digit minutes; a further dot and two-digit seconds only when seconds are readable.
5.34
